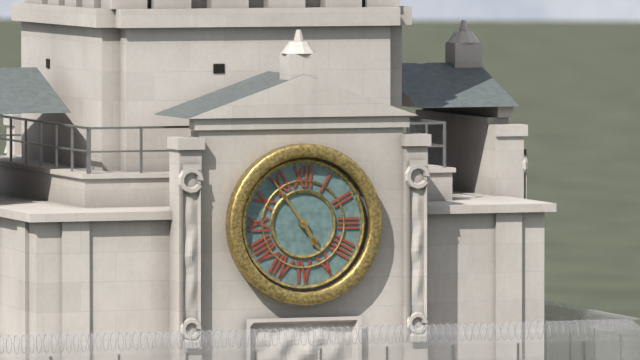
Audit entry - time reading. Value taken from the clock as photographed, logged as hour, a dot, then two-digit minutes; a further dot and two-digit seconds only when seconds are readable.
4.54
